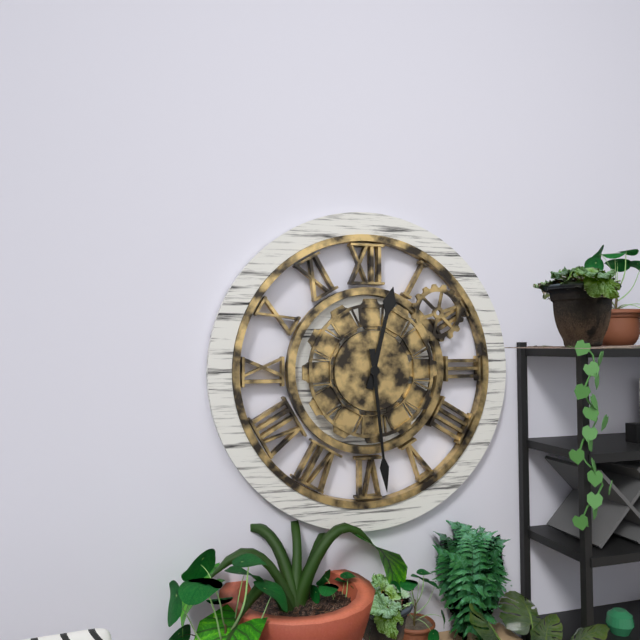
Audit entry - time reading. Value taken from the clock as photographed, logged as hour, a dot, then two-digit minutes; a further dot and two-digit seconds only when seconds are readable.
12.29
